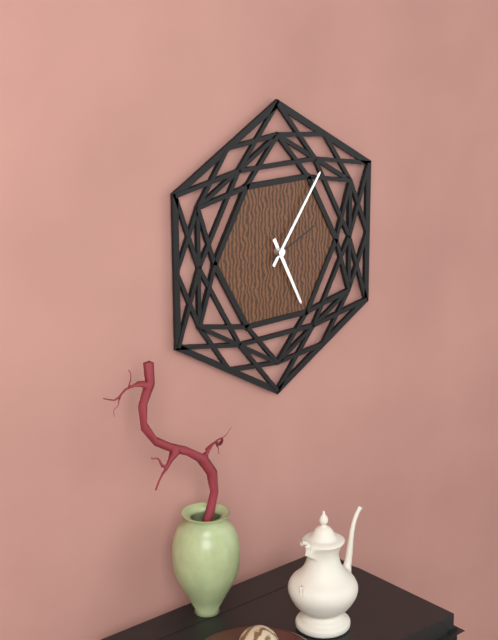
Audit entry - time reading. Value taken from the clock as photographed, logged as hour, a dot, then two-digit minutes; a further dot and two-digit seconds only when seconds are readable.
5.06.11
